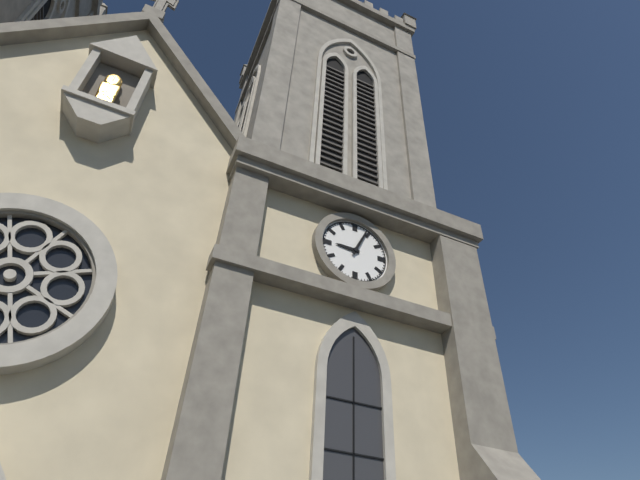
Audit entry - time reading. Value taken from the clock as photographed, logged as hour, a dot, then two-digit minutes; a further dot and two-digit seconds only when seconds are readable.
9.04
